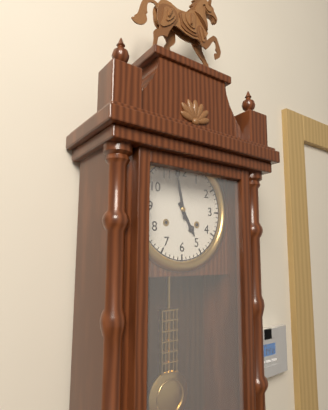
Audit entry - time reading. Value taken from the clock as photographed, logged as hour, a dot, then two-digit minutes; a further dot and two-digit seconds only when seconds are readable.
4.58
